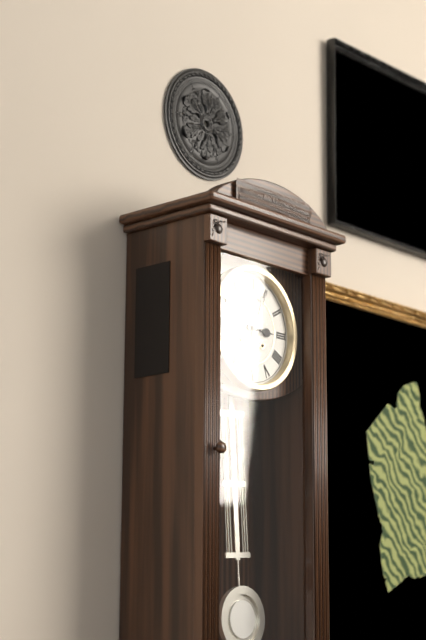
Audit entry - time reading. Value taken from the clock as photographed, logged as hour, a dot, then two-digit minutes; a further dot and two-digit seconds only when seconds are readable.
3.04
